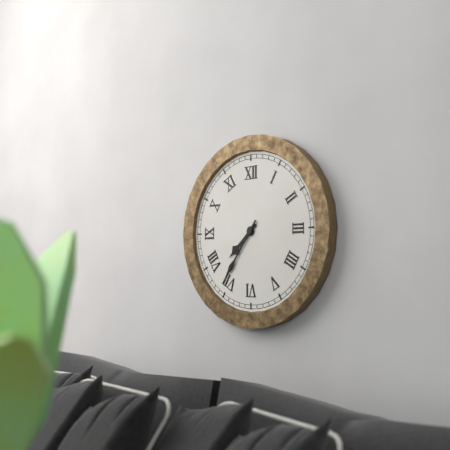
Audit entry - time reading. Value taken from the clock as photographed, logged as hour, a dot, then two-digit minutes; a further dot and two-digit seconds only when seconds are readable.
7.36
